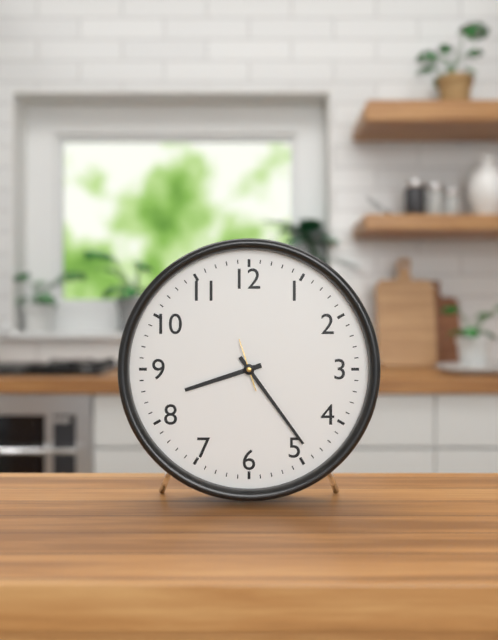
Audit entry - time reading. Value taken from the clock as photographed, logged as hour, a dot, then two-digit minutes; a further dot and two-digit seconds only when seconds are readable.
8.24
